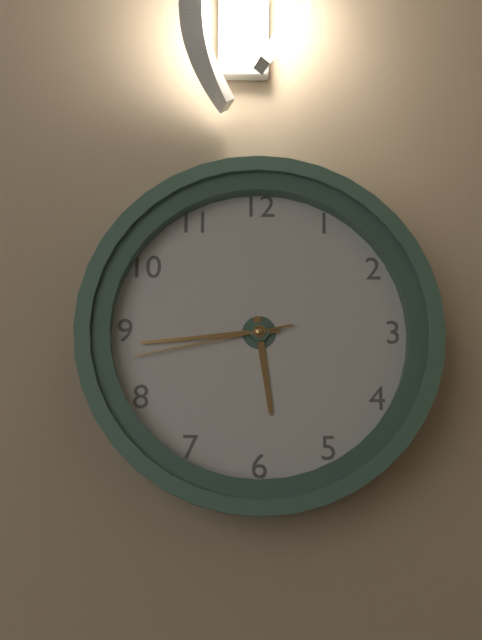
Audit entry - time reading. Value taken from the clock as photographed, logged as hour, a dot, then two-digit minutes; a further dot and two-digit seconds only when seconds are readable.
5.44.43
